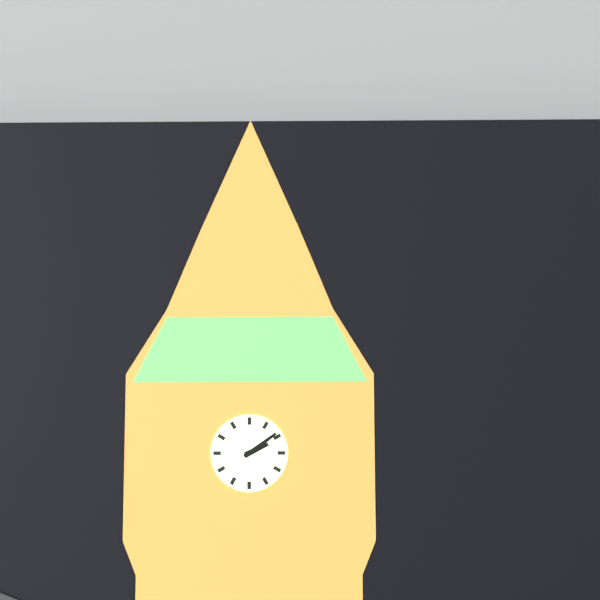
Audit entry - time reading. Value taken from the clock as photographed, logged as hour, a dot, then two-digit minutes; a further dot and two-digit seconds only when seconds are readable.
2.09
